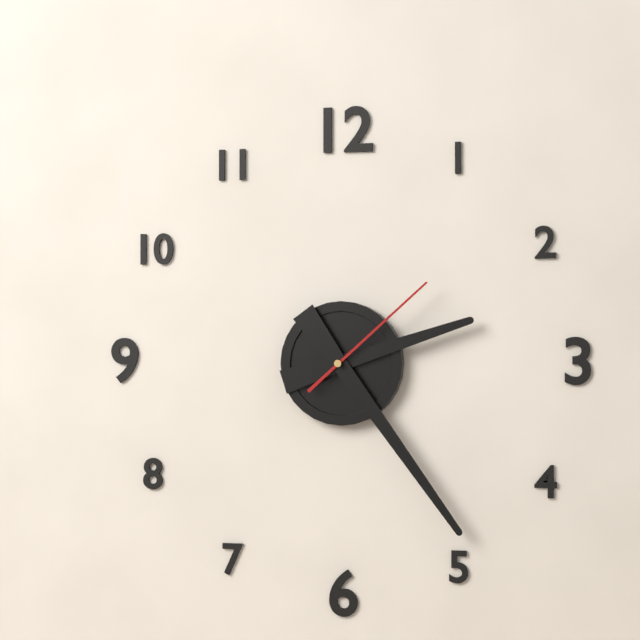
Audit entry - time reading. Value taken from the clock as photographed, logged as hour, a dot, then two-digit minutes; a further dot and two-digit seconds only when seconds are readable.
2.24.08
